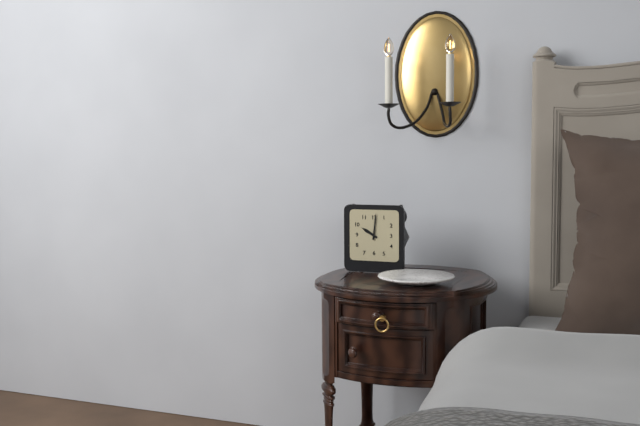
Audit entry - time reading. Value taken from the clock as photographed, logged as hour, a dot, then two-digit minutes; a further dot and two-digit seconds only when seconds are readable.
10.01
